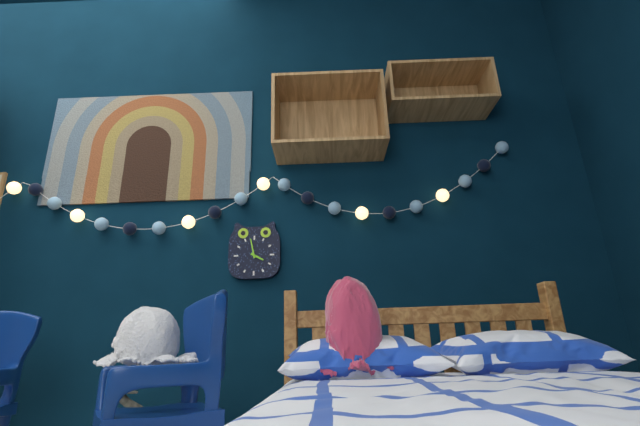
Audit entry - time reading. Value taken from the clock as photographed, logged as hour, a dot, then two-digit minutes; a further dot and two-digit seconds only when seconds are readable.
3.58
